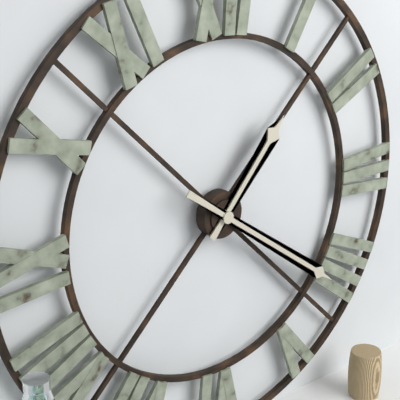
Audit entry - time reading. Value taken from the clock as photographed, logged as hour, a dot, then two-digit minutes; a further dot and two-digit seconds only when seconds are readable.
1.21
